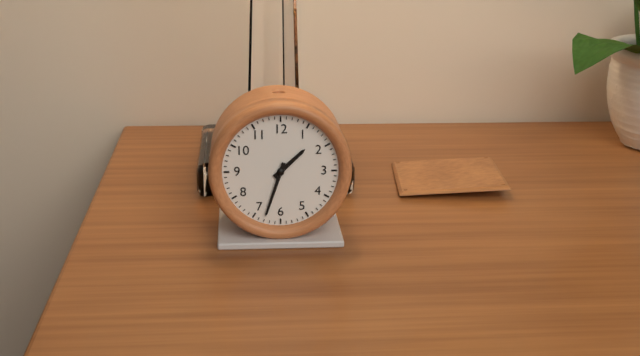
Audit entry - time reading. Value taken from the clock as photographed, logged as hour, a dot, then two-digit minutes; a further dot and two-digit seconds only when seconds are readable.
1.33
